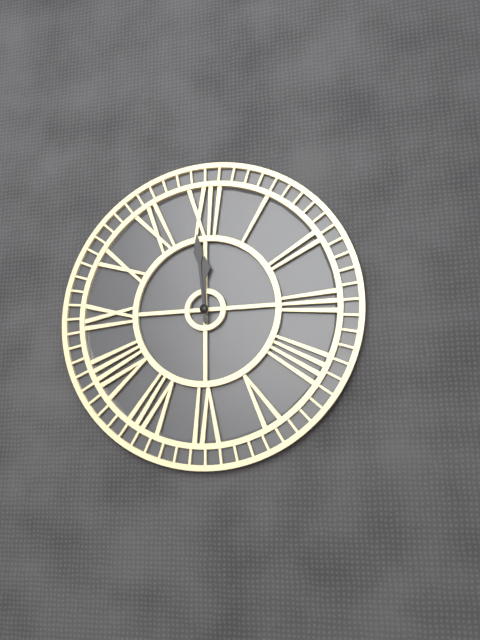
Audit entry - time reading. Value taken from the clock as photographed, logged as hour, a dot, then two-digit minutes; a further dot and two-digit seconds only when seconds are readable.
11.59
